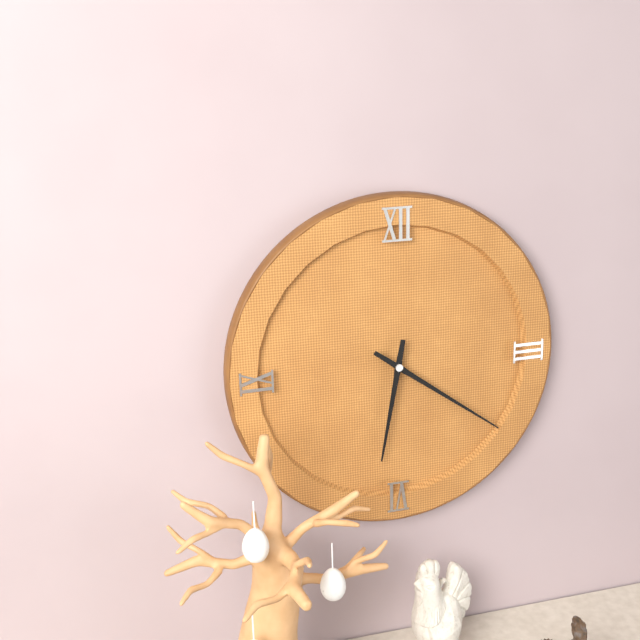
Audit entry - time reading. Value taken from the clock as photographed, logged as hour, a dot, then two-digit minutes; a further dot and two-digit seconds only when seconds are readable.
6.21
